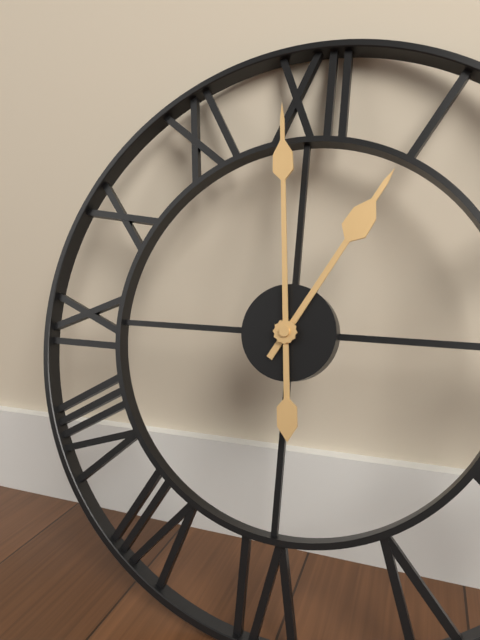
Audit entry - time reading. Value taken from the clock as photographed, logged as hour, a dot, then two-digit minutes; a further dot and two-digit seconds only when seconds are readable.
12.59
